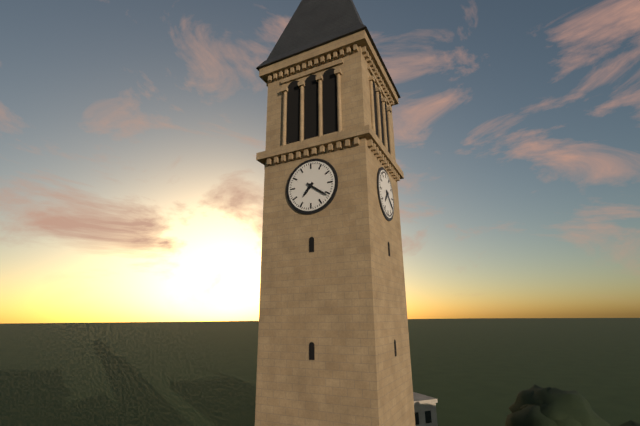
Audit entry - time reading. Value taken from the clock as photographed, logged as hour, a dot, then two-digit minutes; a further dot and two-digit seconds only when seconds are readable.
7.21
